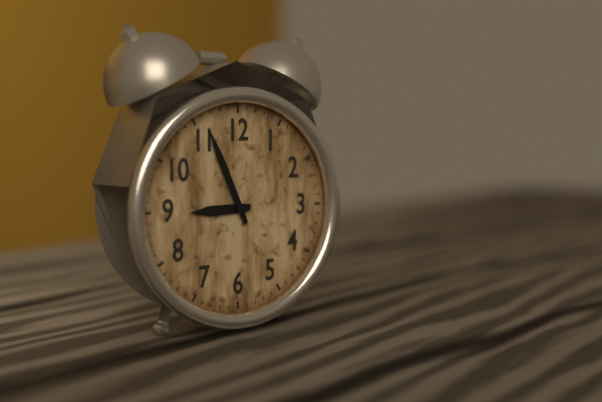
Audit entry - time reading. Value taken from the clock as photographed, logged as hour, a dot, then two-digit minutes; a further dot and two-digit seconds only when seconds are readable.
8.56
